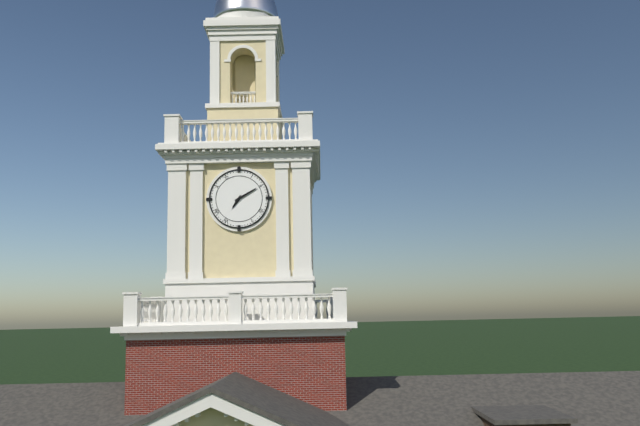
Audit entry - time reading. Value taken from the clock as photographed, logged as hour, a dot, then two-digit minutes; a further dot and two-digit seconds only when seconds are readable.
7.10
